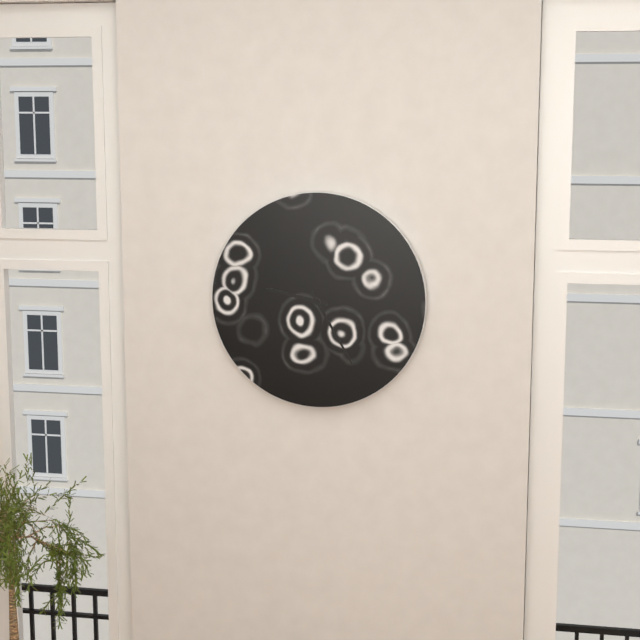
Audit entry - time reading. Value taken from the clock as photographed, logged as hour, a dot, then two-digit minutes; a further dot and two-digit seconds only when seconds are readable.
9.25
